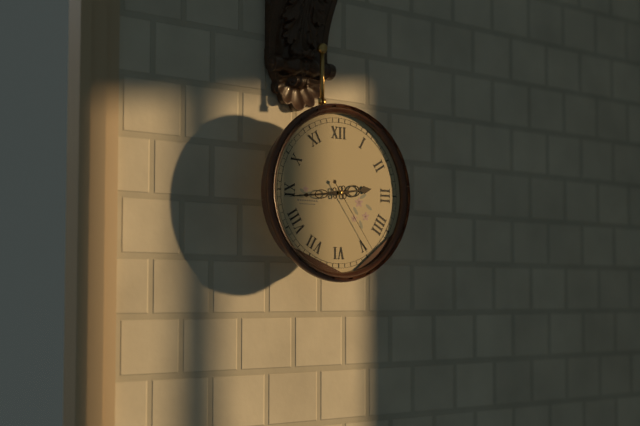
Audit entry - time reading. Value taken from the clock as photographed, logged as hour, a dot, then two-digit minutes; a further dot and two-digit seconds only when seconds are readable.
2.44.24
